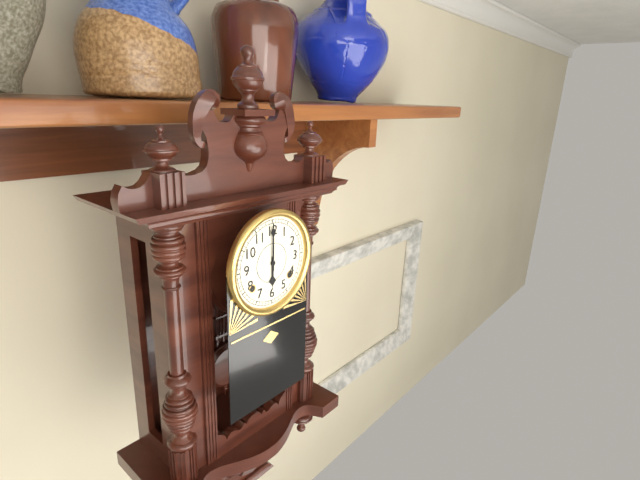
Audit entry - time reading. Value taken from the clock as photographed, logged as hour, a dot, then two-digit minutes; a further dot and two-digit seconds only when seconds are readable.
6.00
